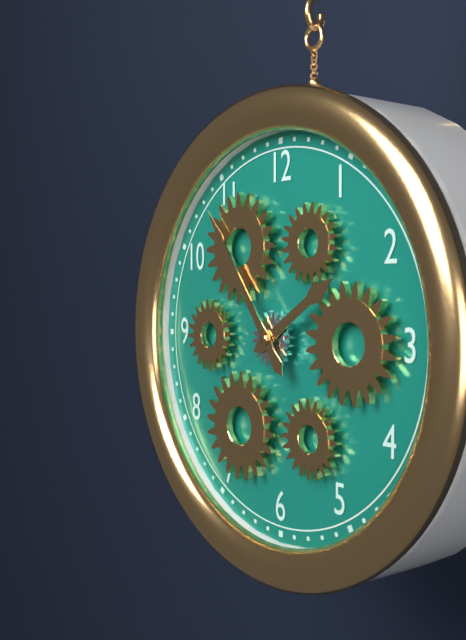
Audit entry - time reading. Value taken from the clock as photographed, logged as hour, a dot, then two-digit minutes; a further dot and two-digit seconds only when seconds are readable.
1.54
